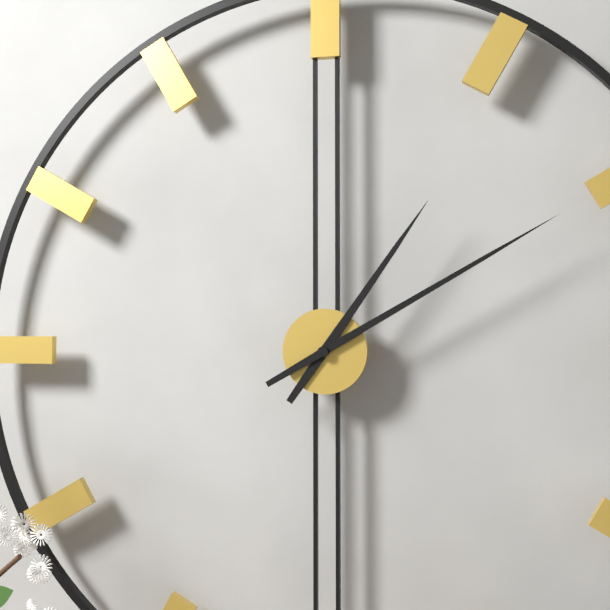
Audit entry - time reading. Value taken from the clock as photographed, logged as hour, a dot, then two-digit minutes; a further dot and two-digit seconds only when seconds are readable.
1.10
